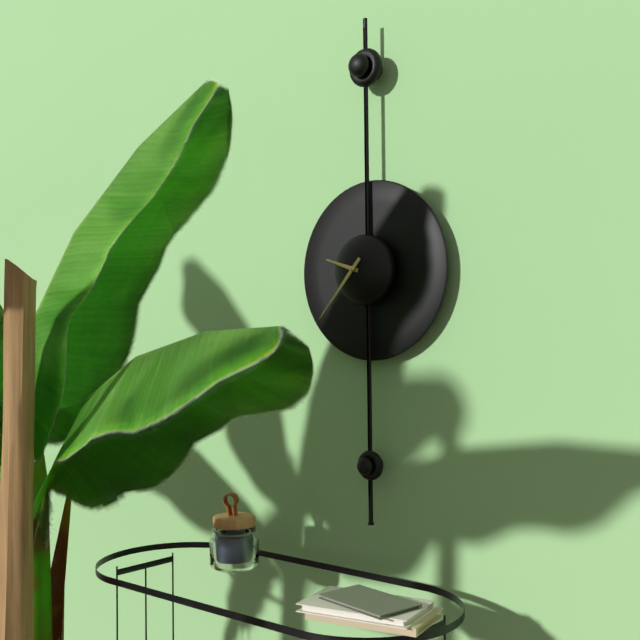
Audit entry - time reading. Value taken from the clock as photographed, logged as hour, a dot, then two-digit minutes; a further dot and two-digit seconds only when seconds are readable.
9.37
